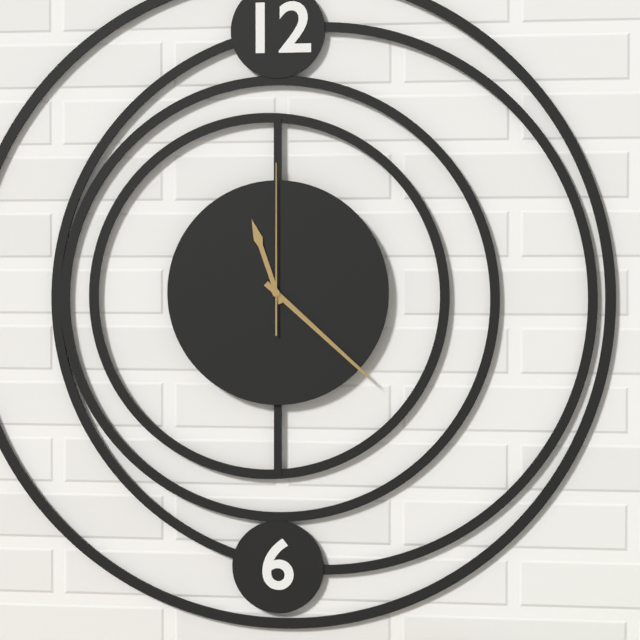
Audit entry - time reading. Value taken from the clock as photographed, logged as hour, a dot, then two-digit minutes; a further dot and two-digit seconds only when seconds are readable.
11.22.00
